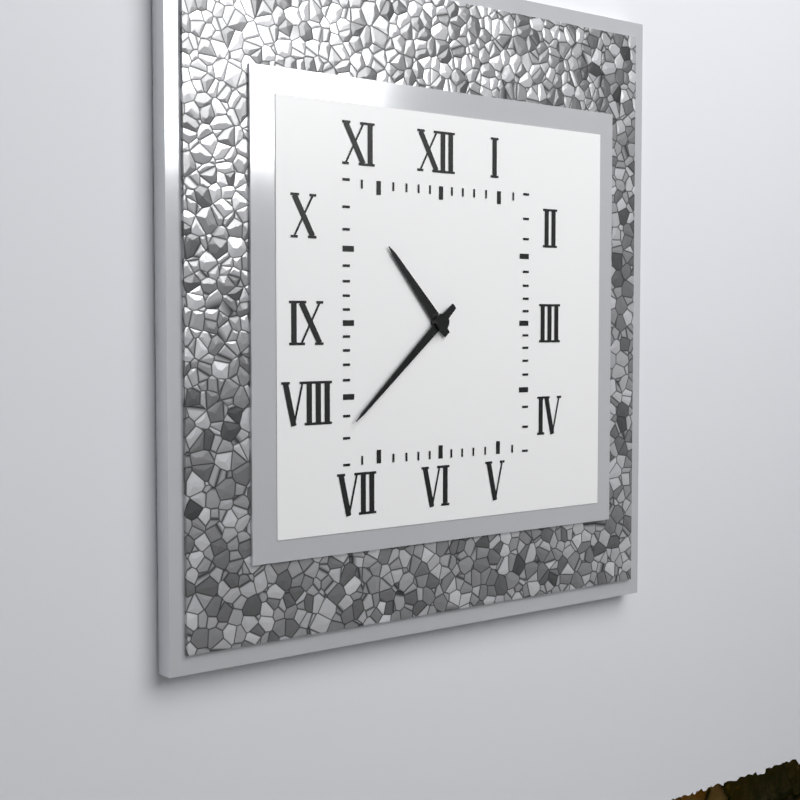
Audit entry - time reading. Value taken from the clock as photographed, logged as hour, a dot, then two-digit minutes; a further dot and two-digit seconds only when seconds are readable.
10.38
